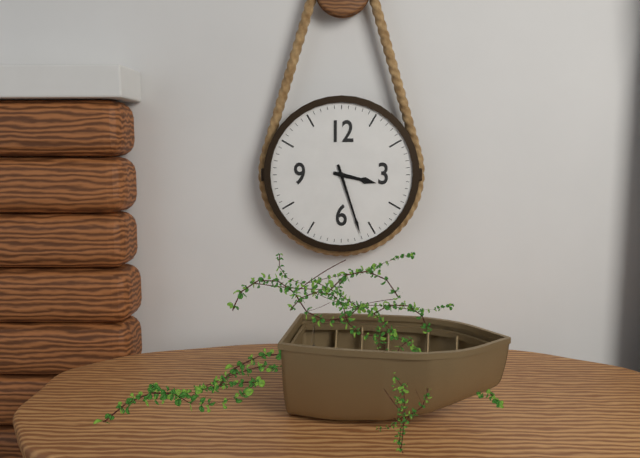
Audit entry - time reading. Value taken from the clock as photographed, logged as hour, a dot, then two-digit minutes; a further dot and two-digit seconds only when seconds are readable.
3.27
